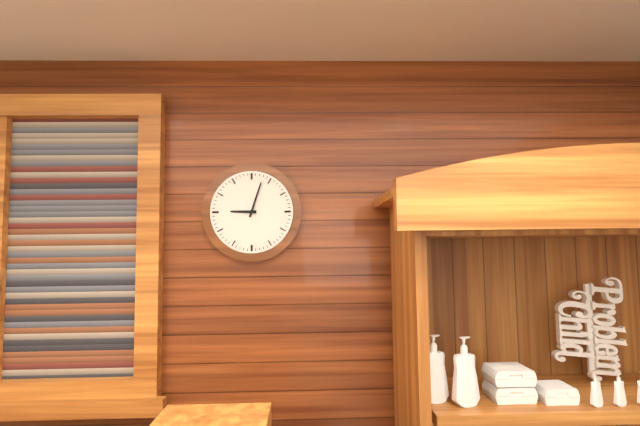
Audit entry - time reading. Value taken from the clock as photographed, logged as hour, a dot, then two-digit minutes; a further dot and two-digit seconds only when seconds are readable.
9.03
